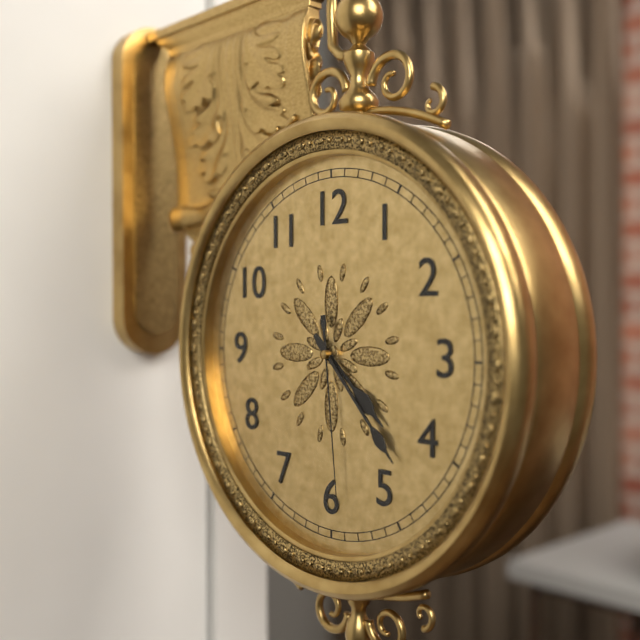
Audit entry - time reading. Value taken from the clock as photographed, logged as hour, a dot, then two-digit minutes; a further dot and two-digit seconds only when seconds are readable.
4.23.29
